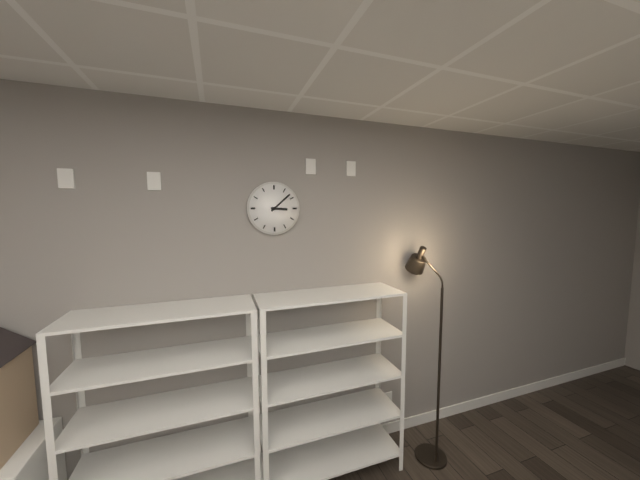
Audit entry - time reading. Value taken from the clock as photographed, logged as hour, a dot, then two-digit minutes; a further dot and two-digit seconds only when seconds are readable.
3.08
